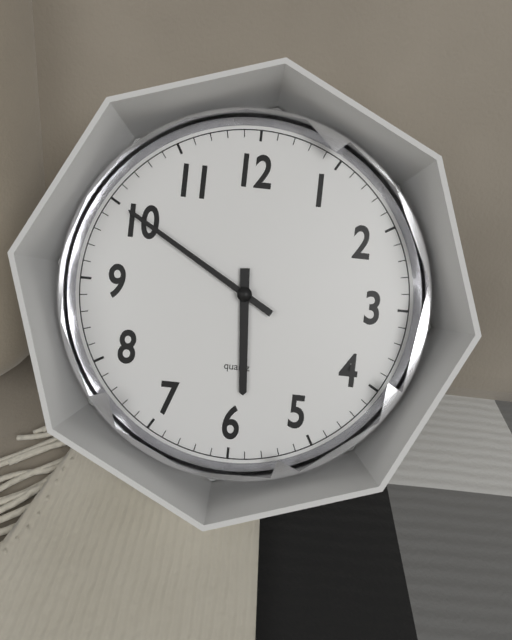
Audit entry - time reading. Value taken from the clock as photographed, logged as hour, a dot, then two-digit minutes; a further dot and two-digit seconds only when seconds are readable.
5.50
